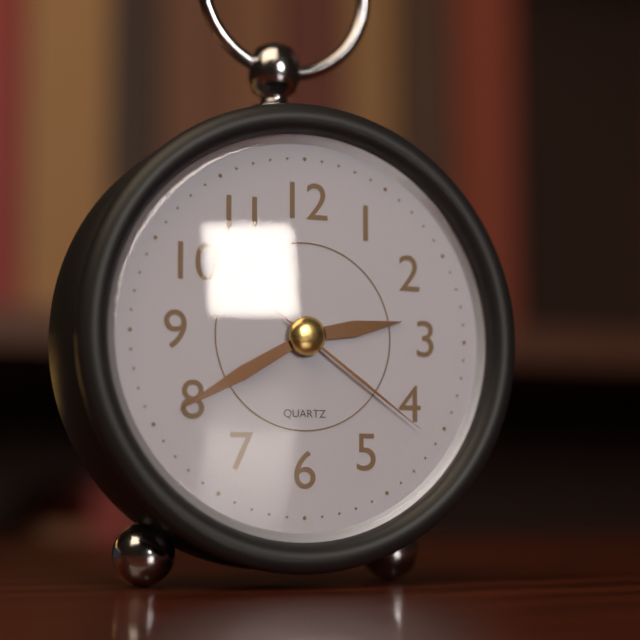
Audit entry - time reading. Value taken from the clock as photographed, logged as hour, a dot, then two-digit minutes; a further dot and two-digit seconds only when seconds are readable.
2.40.21
